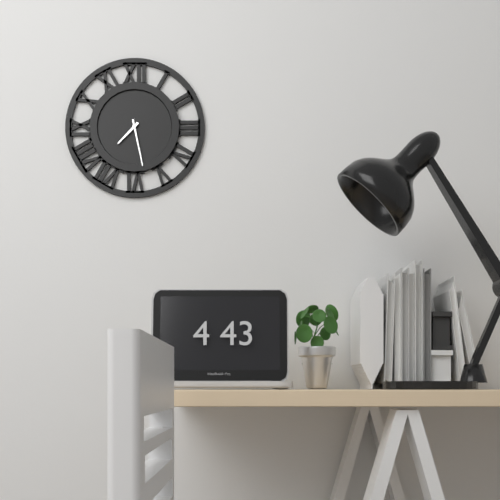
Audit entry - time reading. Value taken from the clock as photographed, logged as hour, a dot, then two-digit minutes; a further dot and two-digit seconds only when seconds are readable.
7.28
